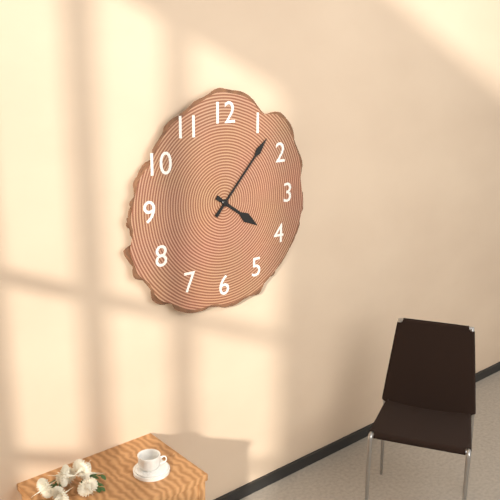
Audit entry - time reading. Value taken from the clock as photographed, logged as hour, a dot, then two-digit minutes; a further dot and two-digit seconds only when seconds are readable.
4.07
